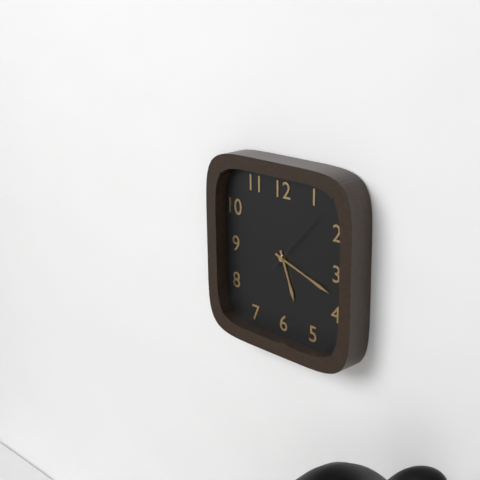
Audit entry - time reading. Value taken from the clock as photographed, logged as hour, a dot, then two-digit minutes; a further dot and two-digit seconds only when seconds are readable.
5.18.07
